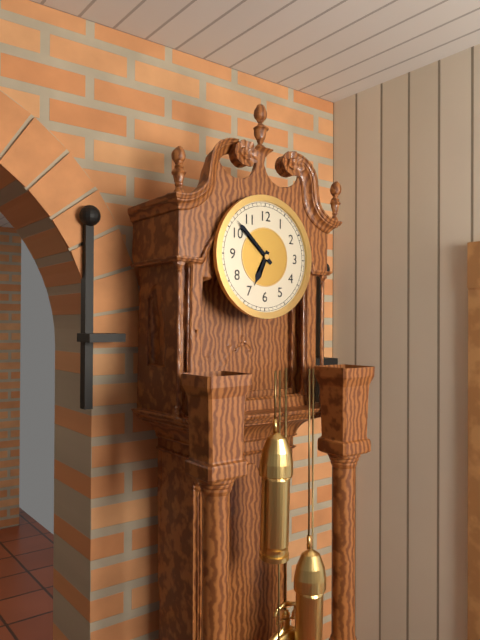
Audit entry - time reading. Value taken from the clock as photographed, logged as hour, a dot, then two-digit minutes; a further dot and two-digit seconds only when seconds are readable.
6.52
